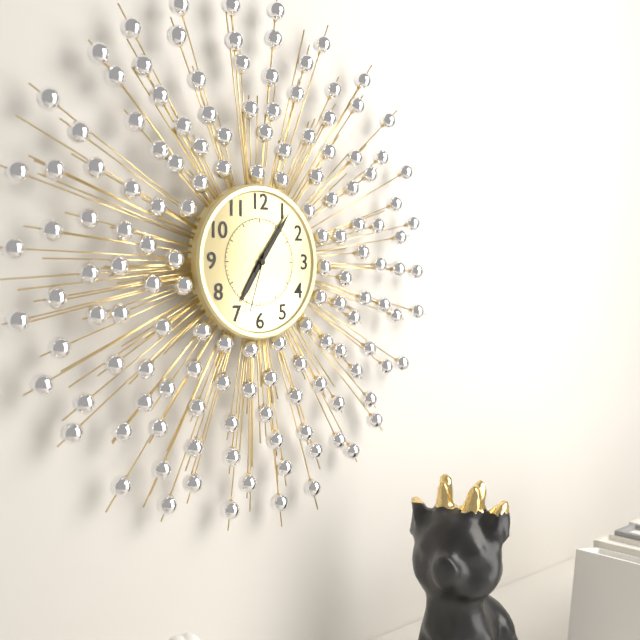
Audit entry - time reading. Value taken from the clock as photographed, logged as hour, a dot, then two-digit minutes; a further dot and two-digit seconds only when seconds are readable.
7.06.33
